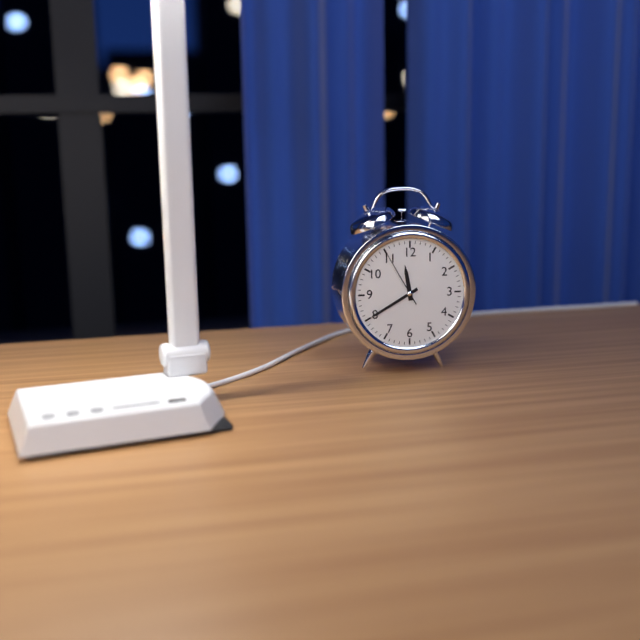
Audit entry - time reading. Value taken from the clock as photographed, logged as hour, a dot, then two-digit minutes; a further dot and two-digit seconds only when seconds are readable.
11.40.55
